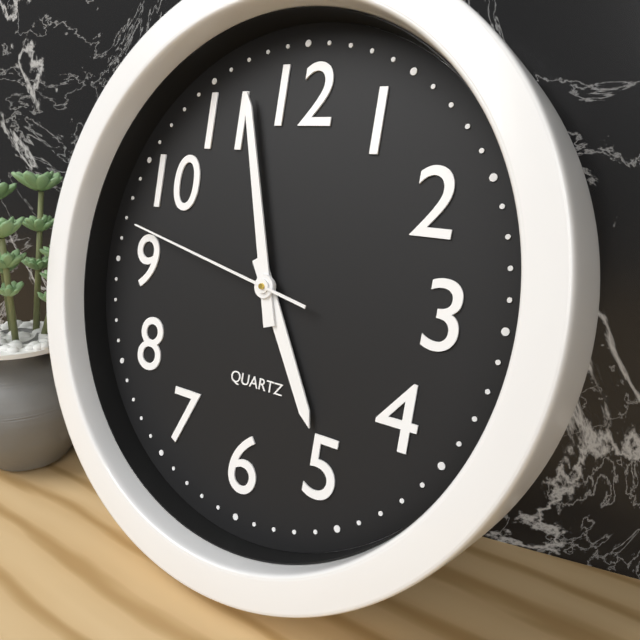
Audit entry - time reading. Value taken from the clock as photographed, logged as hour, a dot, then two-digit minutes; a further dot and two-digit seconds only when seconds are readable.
4.57.47
